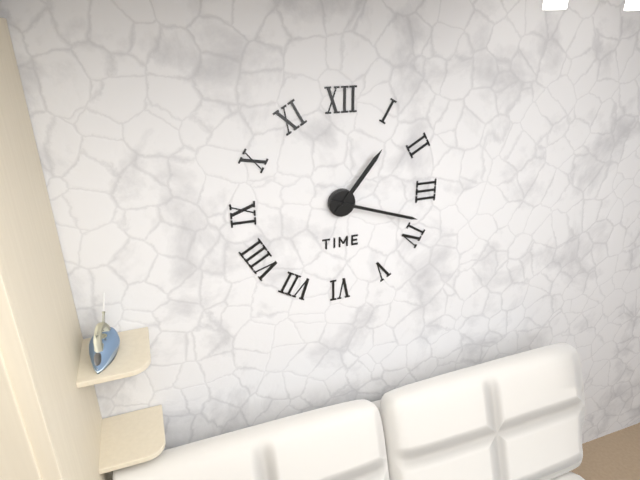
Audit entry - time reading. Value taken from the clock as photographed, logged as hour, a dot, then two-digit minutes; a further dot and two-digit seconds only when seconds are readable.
1.18
